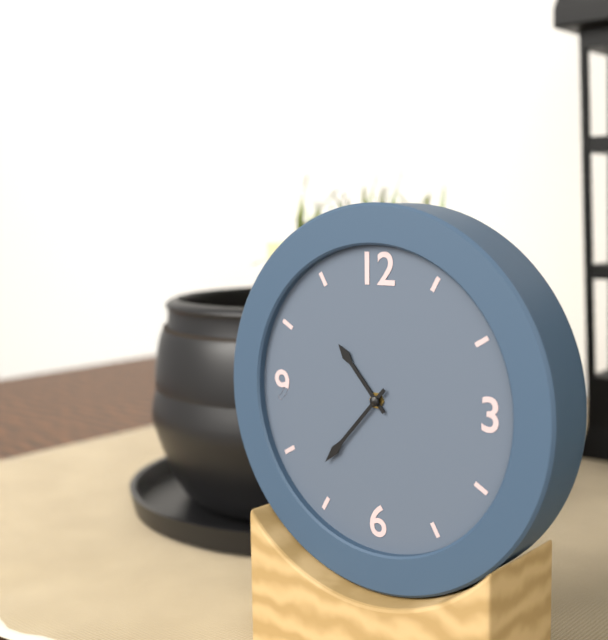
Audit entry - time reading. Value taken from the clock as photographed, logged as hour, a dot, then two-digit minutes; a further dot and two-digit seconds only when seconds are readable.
10.37
